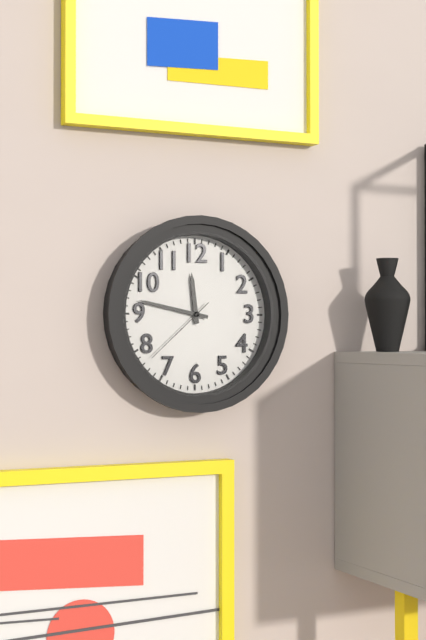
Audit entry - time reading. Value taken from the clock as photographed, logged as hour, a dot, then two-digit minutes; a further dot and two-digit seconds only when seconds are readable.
11.47.38
